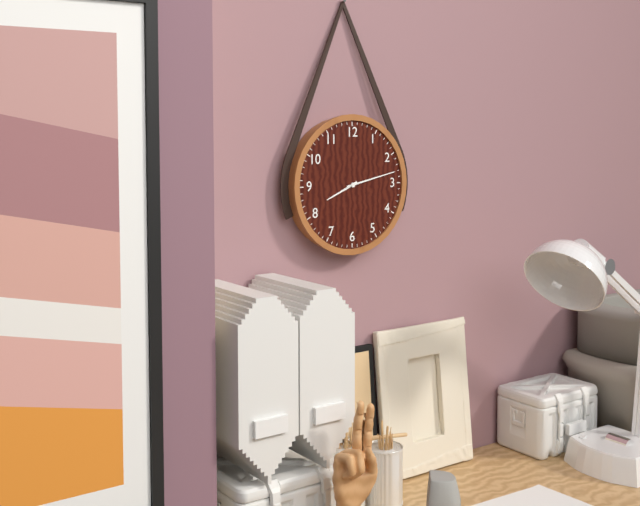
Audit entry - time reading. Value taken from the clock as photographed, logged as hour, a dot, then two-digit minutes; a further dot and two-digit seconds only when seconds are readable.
8.13
